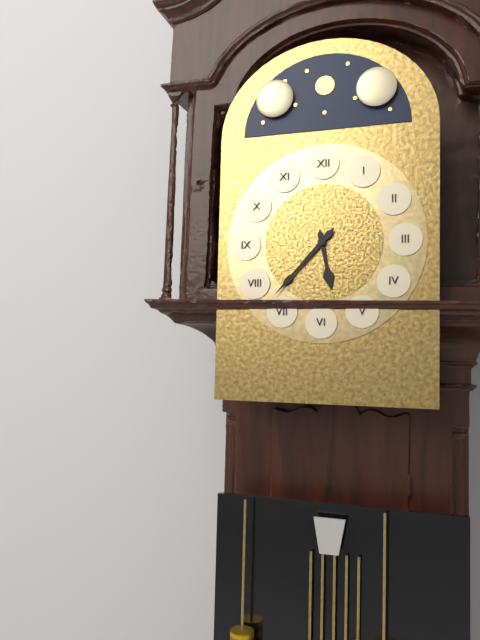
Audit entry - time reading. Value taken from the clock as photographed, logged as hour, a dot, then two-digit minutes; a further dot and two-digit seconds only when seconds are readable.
5.37
